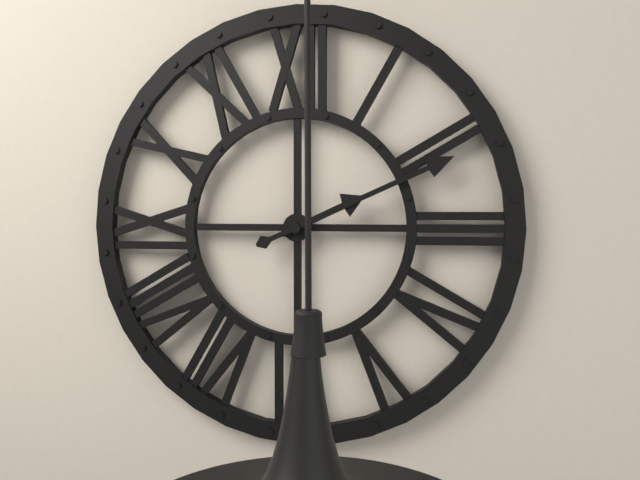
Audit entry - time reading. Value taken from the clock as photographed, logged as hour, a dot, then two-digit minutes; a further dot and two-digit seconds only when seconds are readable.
2.11
